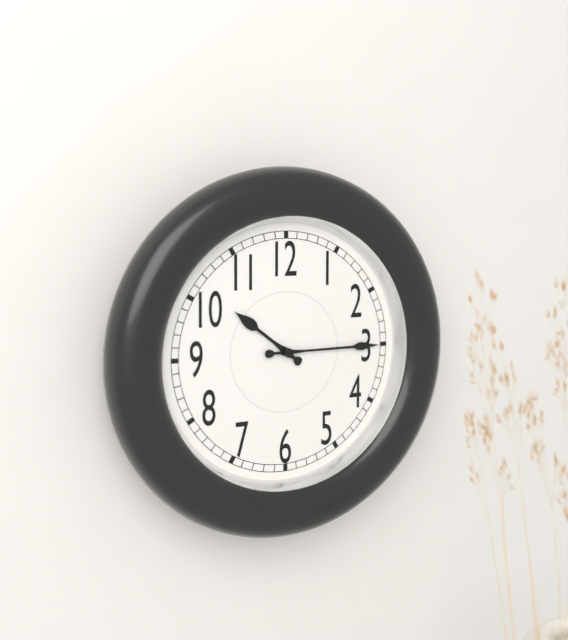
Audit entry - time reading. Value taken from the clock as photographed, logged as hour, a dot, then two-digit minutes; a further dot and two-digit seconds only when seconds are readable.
10.15
